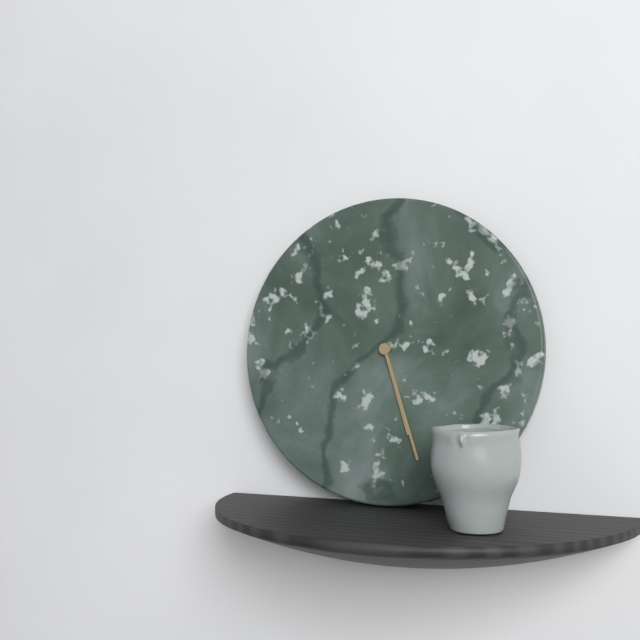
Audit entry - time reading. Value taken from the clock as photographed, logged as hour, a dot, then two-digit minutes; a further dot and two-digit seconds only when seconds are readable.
5.27
